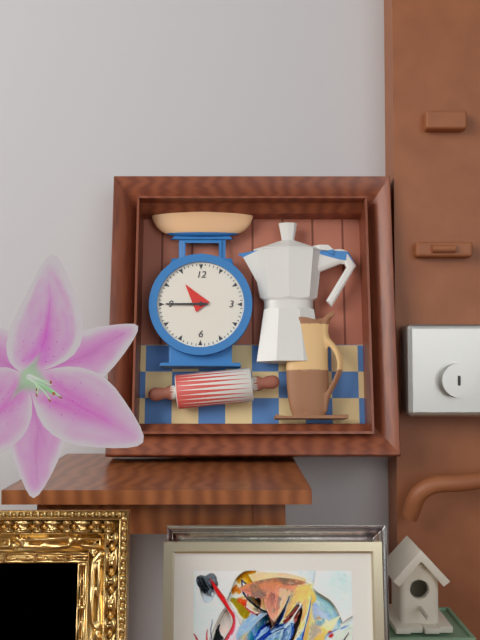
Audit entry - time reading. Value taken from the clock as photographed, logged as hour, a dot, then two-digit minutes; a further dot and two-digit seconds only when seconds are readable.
10.45
